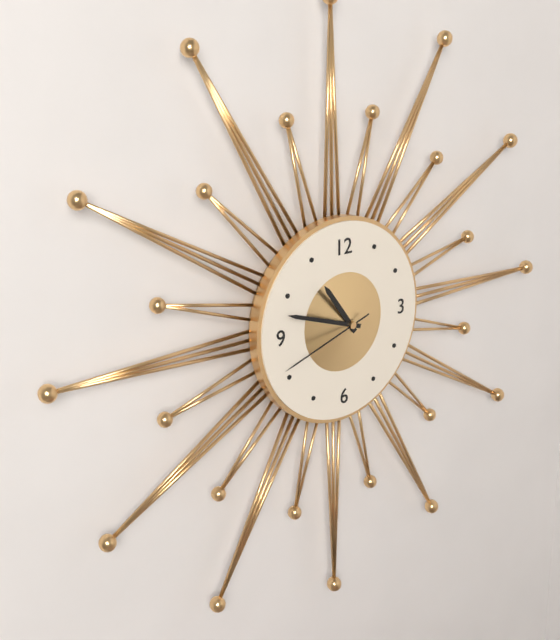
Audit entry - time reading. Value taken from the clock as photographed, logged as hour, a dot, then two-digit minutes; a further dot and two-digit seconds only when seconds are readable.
10.48.42
